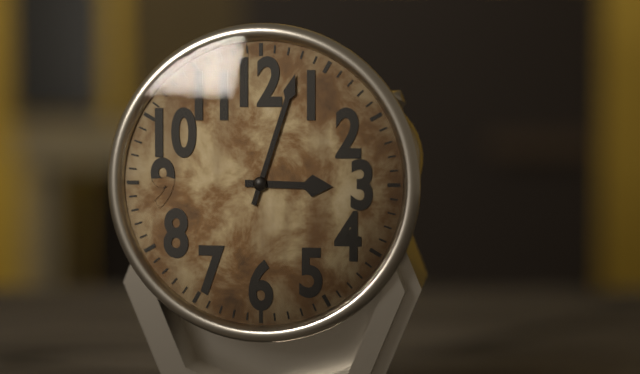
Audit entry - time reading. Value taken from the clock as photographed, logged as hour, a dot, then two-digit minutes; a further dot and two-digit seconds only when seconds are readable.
3.03
